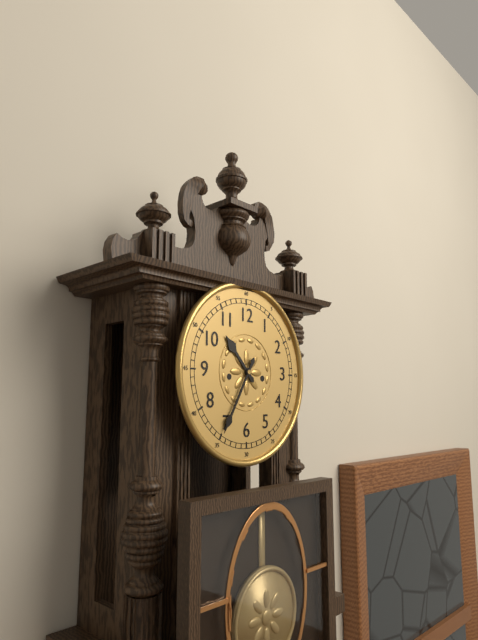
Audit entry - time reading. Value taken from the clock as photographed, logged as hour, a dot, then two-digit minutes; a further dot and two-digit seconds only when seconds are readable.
10.35
